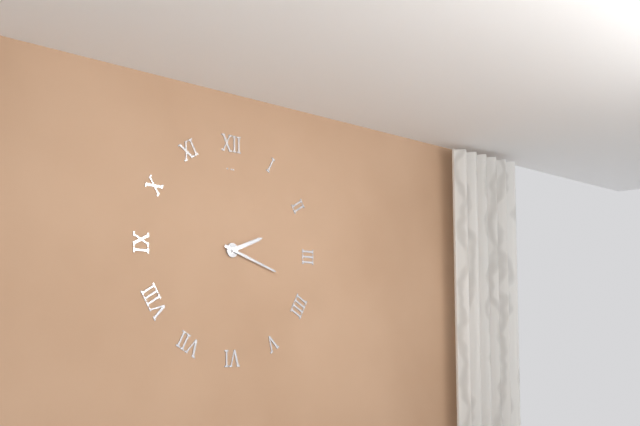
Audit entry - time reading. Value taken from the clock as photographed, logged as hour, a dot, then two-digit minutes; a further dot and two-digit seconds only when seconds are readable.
2.18
